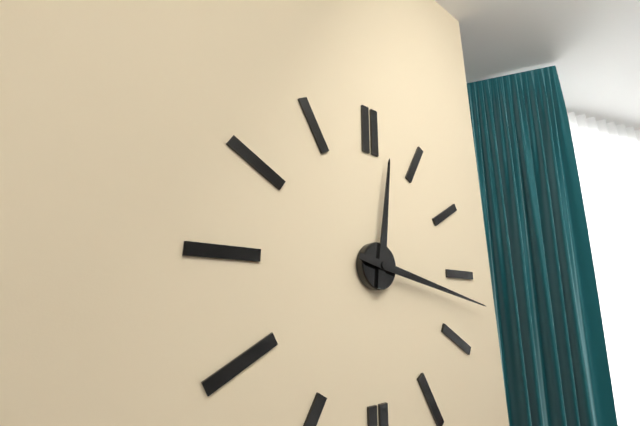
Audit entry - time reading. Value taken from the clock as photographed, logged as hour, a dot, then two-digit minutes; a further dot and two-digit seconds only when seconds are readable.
12.17
